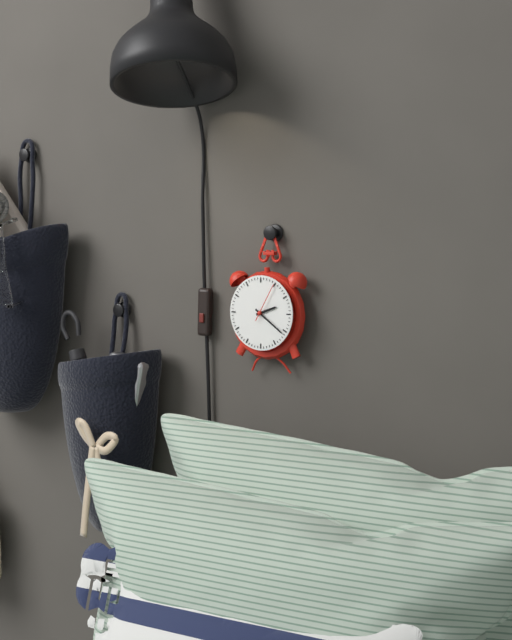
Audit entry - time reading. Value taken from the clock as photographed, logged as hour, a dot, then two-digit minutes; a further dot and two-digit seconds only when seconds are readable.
2.21
